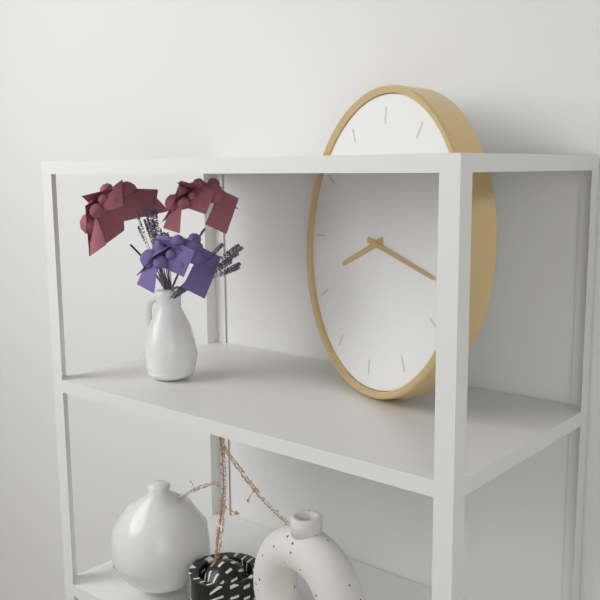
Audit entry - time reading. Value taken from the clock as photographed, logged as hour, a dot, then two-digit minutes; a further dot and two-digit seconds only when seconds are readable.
8.17
